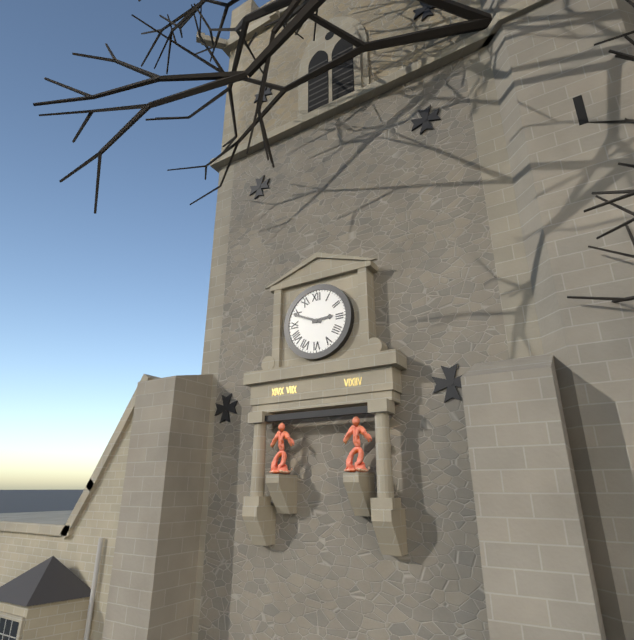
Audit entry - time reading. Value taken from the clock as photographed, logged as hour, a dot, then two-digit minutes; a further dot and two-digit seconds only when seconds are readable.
2.49
